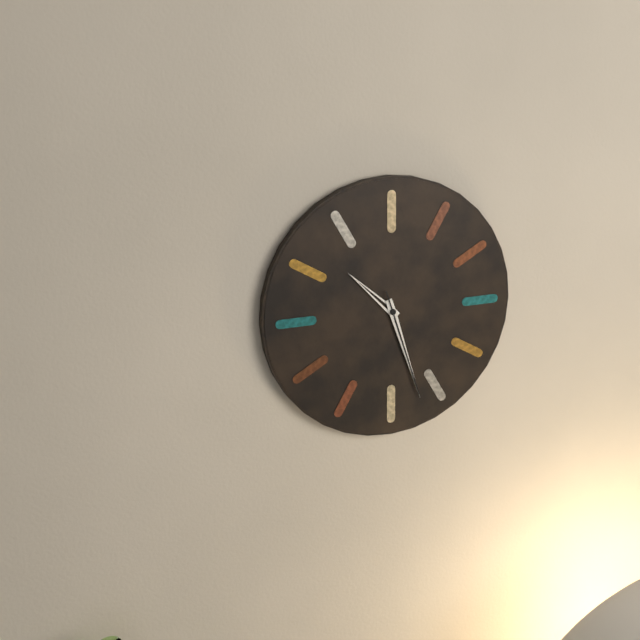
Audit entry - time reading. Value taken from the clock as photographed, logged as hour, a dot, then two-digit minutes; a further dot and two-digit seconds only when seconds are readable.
10.27.27
